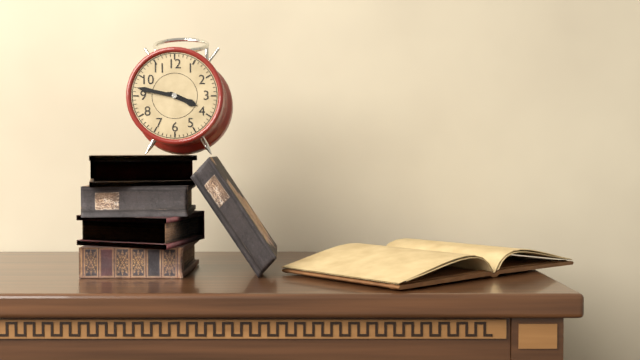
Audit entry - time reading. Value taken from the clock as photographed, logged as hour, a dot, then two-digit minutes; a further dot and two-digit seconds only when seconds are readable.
3.47
